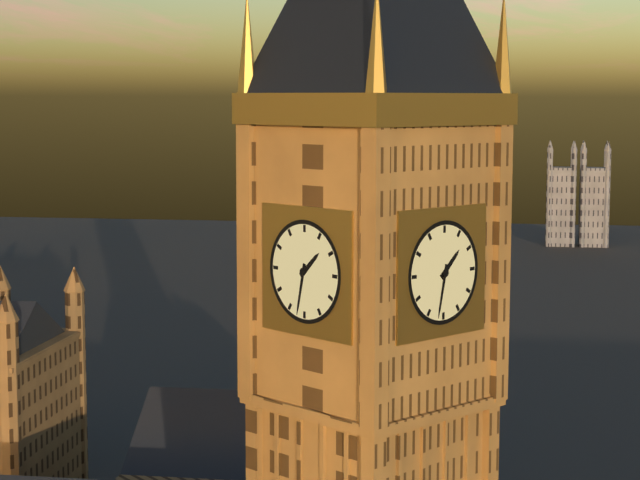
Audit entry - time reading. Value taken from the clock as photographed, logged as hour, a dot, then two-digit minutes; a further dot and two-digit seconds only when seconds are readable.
1.32
